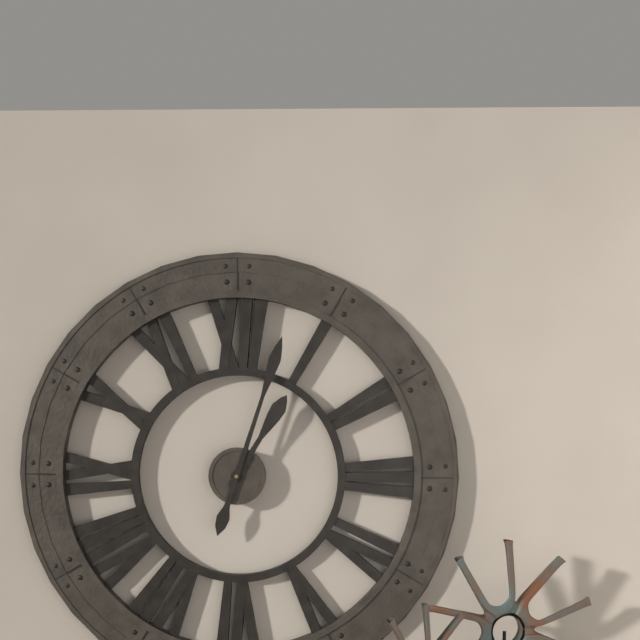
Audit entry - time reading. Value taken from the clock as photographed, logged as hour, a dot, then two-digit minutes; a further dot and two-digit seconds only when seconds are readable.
1.03
